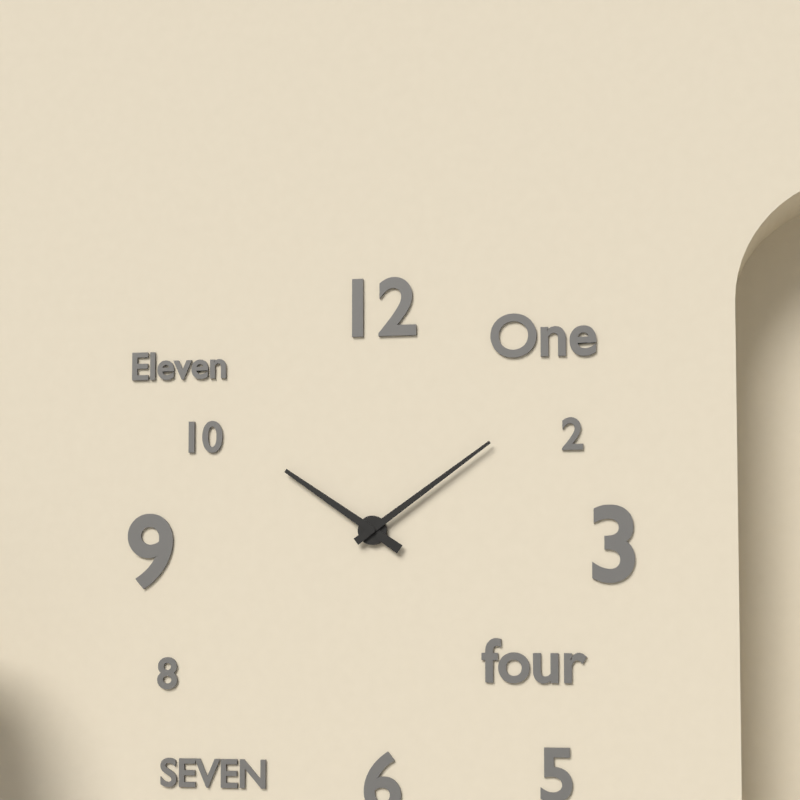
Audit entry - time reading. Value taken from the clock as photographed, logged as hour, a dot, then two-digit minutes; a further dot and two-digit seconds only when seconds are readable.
10.09
